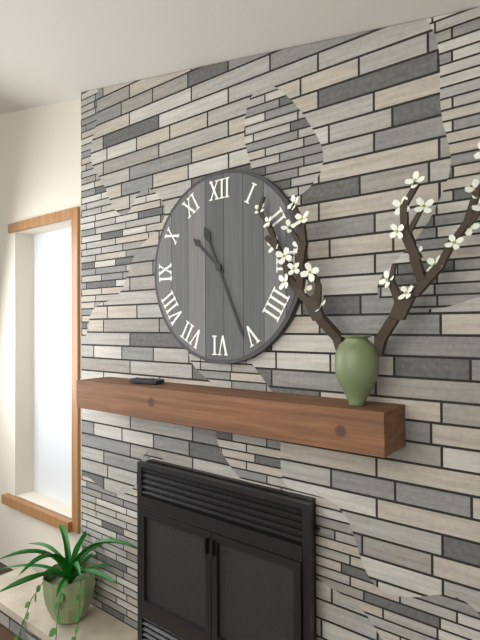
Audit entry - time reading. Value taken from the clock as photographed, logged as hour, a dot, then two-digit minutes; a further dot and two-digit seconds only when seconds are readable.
10.26
